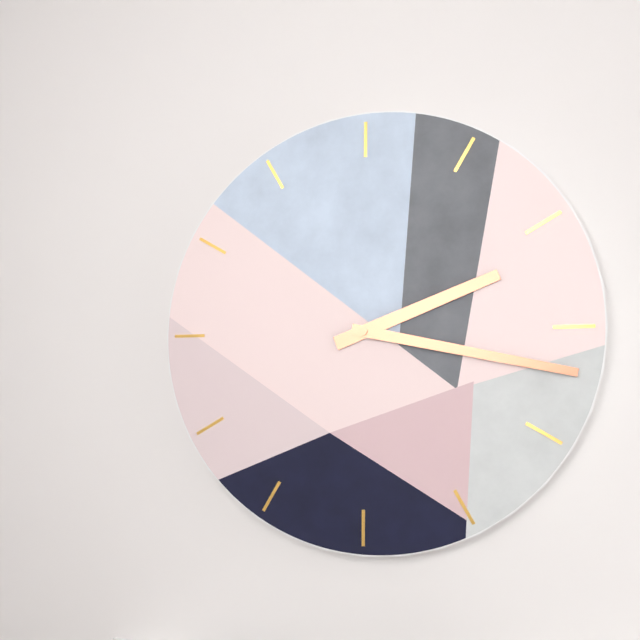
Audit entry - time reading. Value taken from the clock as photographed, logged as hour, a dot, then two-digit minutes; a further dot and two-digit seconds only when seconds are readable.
2.17
